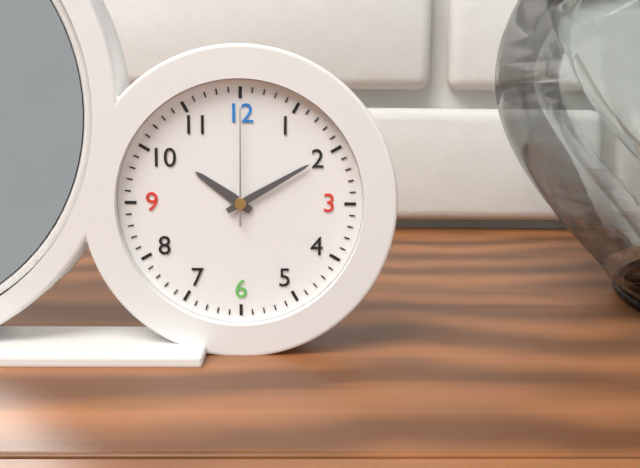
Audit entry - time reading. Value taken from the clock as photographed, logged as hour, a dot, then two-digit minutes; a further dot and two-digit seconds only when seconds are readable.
10.10.00
